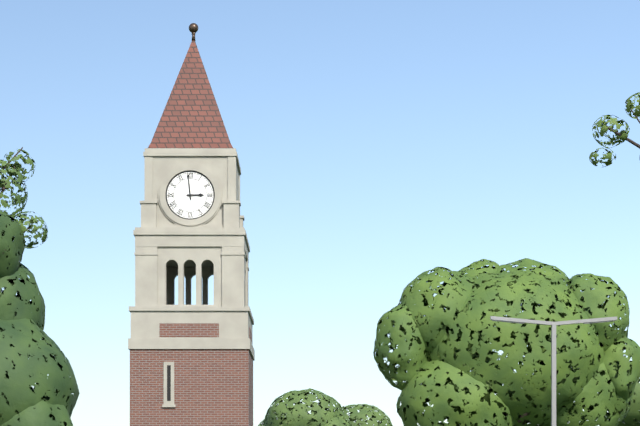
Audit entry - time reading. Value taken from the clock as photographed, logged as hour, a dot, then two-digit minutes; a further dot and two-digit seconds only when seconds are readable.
2.59
